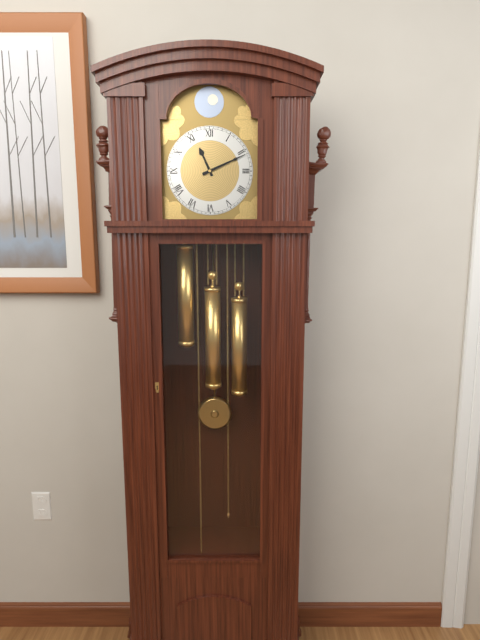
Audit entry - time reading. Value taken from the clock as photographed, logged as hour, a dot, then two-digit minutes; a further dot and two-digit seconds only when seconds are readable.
11.11
